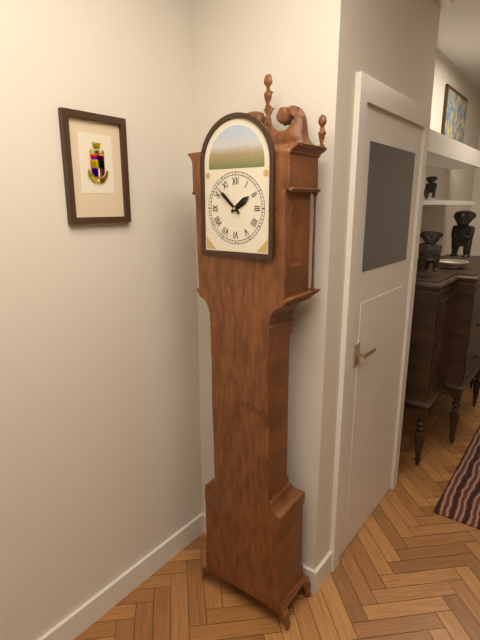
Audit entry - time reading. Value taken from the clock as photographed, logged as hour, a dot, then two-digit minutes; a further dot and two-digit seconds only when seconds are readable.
1.52
